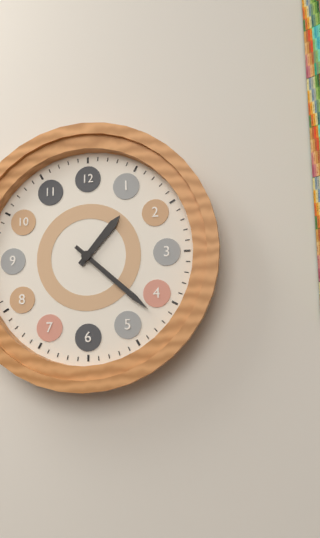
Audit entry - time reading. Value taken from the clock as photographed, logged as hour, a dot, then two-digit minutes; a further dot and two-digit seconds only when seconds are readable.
1.22
